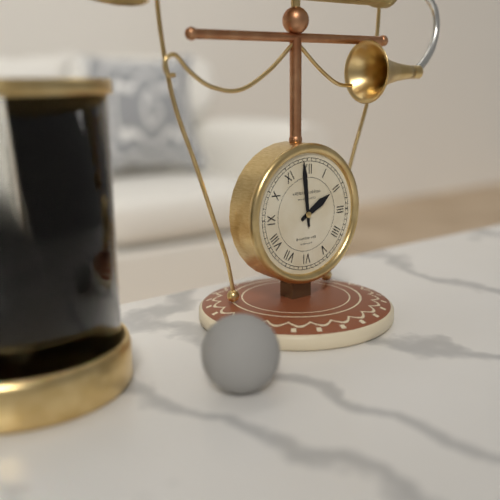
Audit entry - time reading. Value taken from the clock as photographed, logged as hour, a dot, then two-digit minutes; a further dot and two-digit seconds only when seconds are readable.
1.59
